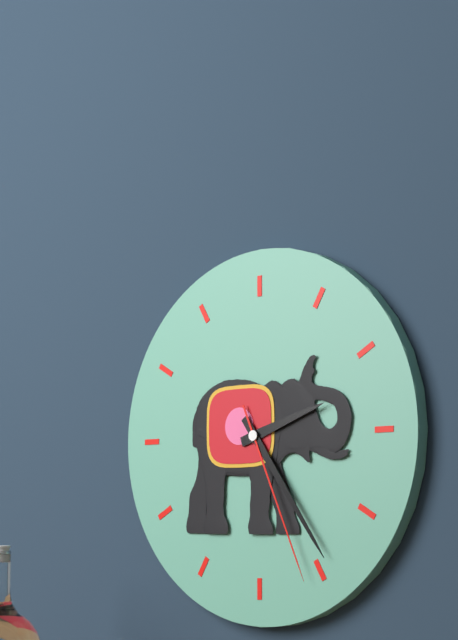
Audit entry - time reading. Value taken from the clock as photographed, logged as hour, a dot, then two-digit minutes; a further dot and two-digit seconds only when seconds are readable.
2.24.26
